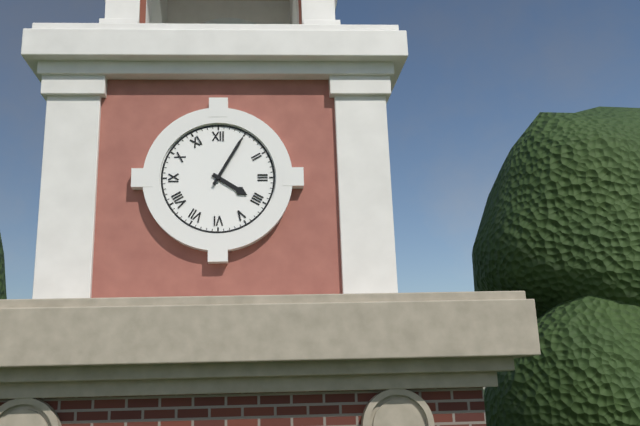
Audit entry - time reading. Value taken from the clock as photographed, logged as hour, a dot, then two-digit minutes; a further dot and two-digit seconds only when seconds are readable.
4.05
